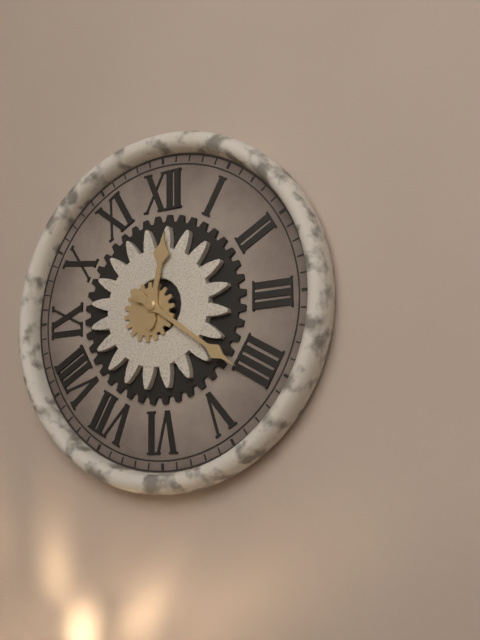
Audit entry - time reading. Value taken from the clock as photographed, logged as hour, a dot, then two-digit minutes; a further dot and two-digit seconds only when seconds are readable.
12.21
